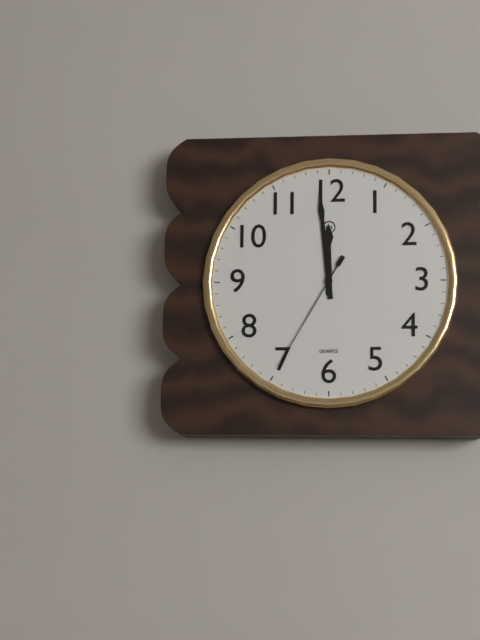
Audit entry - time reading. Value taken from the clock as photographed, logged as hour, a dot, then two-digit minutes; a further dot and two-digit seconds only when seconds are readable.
11.59.35
